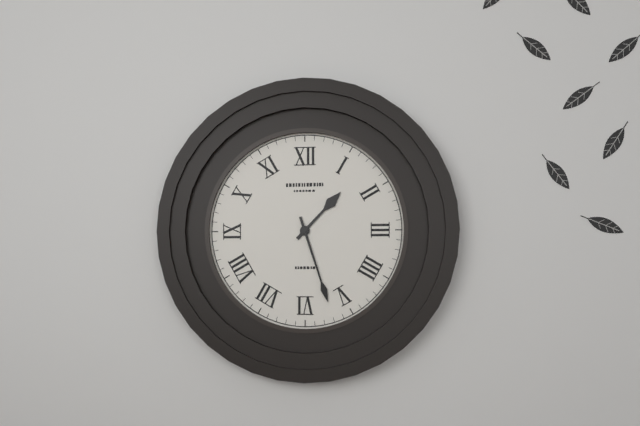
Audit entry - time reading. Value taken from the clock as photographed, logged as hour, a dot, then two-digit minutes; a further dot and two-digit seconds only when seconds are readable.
1.27
